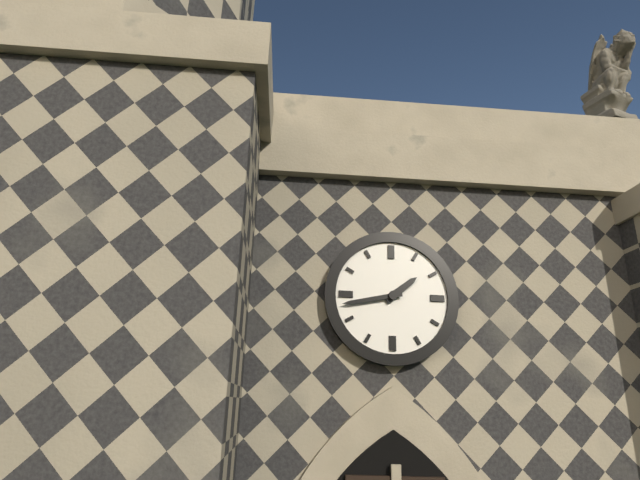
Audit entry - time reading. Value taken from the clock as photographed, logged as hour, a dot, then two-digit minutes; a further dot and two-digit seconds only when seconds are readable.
1.43
